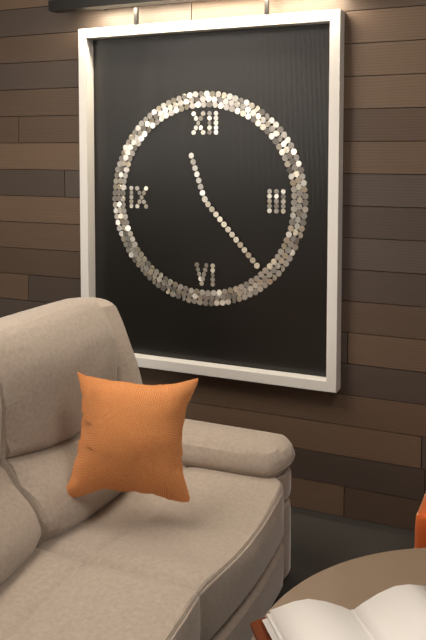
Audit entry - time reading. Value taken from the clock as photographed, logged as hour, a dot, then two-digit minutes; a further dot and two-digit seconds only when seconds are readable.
11.23
